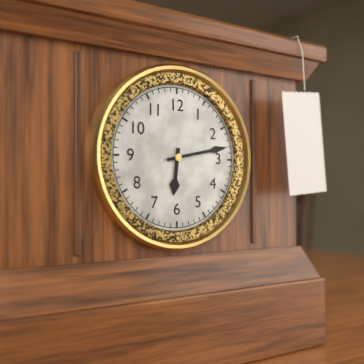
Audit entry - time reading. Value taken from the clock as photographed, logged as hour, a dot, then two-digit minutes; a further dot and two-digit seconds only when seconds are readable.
6.13
